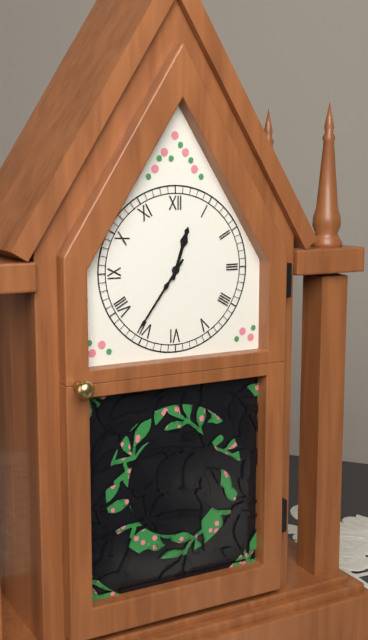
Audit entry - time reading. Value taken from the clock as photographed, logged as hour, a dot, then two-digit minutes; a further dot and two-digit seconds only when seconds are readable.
12.36
